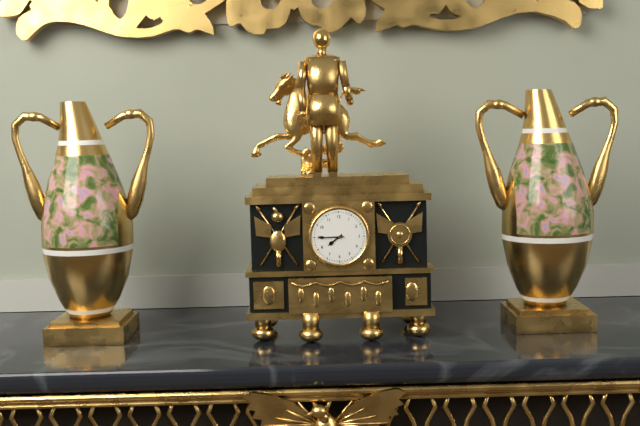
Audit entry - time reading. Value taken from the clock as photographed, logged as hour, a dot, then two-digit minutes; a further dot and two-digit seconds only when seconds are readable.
7.45
